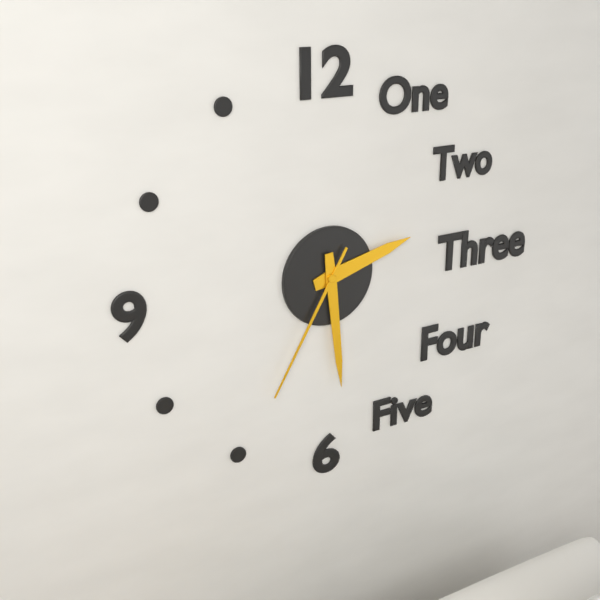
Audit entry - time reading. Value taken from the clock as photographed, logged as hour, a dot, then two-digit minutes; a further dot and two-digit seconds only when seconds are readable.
2.29.35
